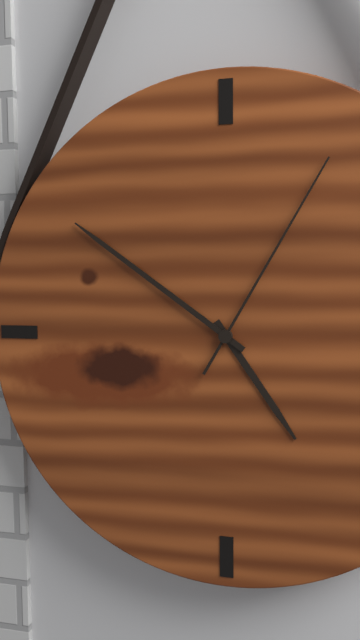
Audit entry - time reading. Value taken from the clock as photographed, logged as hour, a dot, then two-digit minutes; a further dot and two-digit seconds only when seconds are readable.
4.51.05
